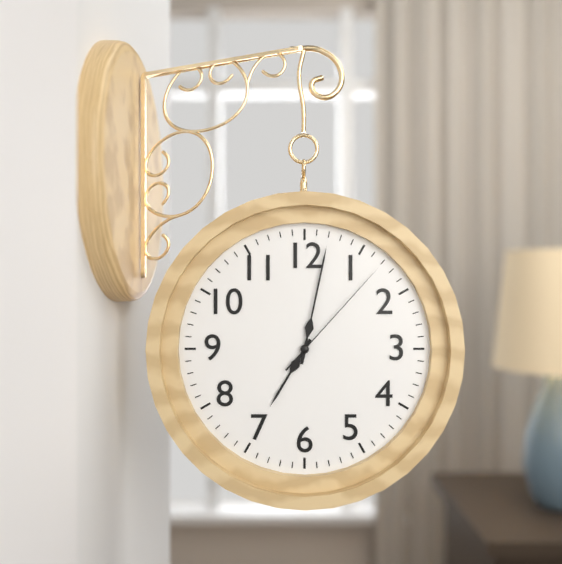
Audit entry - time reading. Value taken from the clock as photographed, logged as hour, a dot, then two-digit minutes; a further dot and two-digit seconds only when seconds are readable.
7.02.07
